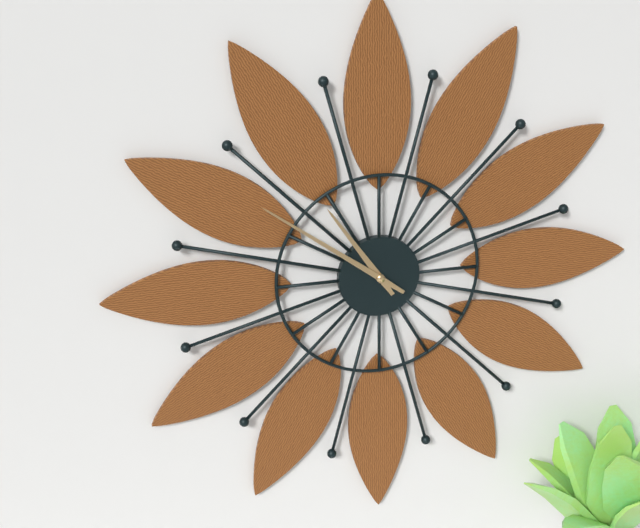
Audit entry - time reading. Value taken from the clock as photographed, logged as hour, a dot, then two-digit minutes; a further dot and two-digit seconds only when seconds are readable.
10.51
